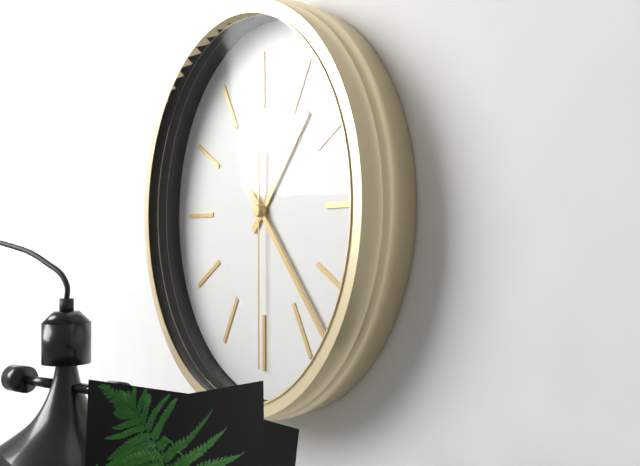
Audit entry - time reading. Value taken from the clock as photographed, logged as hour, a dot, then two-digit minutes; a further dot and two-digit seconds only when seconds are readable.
1.23.30
